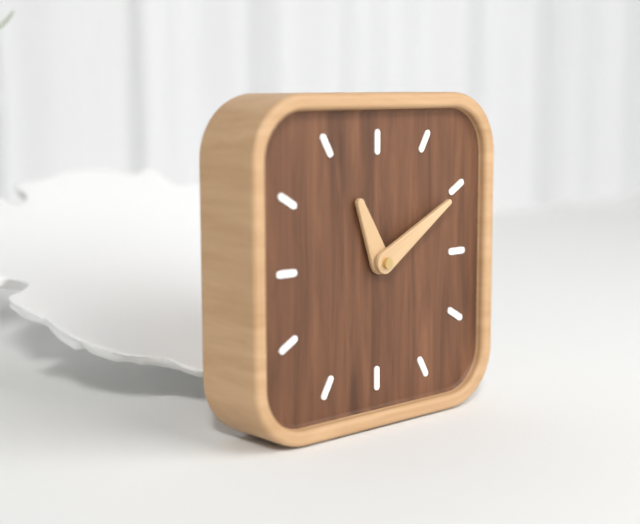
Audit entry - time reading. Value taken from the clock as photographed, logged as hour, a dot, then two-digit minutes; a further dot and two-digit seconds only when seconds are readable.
11.10
